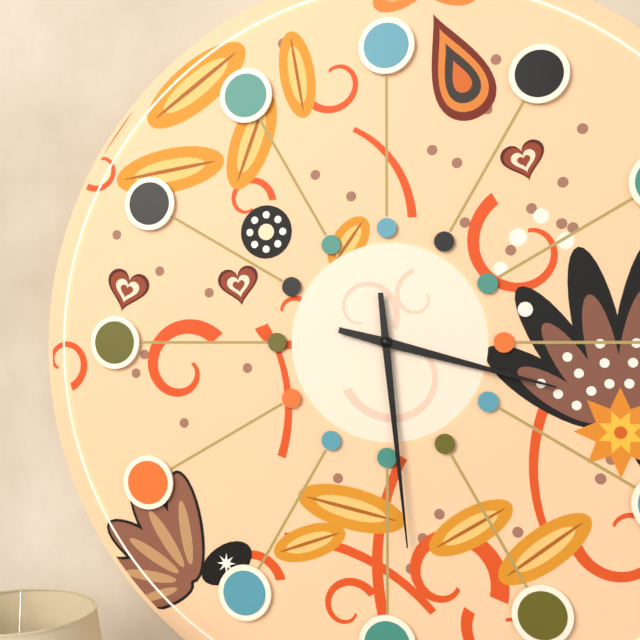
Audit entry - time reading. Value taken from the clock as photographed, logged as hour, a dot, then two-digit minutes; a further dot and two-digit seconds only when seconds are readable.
3.29
